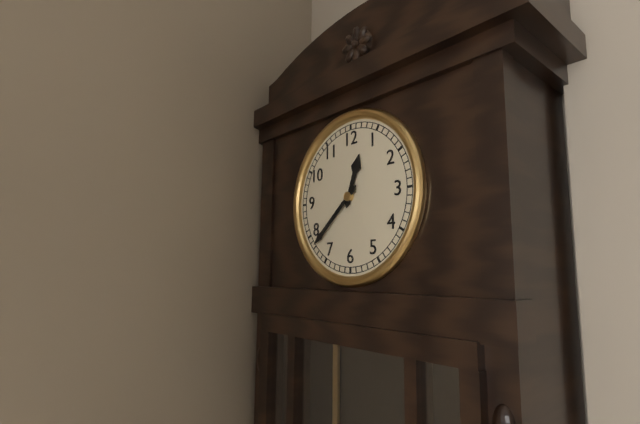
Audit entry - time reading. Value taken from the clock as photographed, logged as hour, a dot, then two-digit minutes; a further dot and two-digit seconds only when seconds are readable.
12.38
